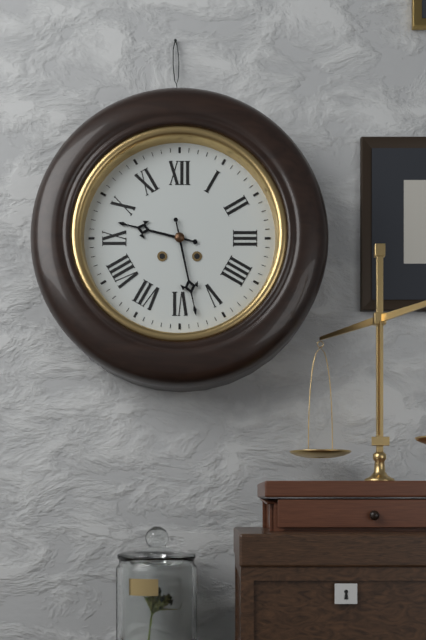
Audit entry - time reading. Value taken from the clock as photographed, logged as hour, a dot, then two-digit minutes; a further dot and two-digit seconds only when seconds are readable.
9.28
